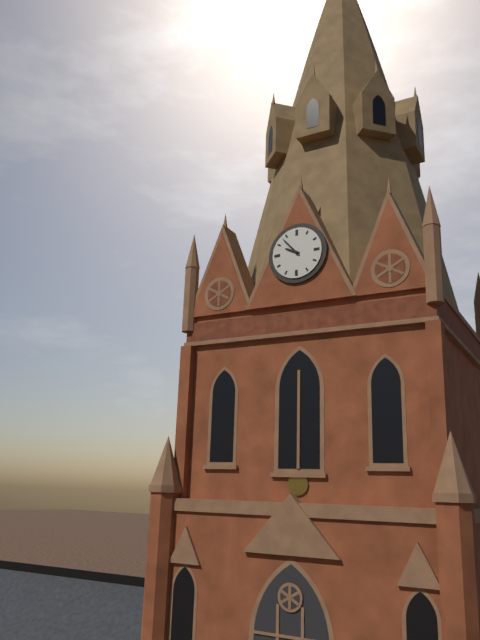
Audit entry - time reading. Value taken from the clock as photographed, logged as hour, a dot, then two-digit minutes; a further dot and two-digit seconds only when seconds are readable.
9.53
